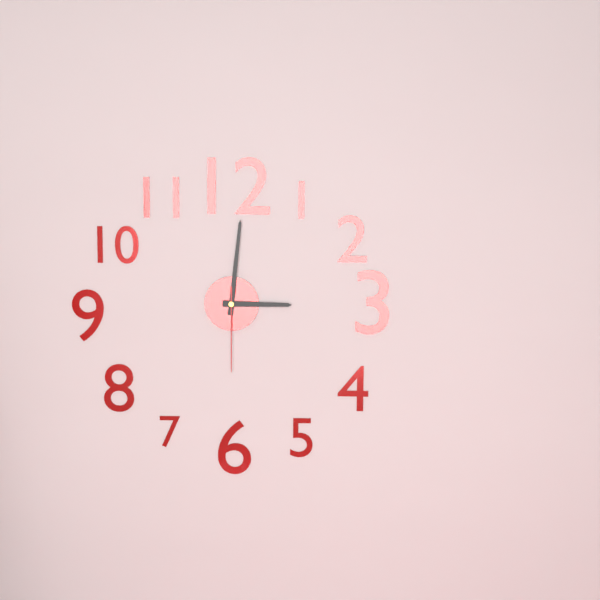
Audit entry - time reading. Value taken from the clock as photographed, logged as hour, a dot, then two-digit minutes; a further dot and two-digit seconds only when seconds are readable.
3.01.30
